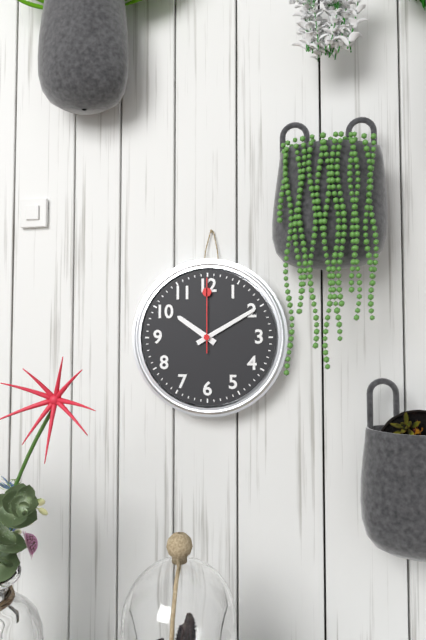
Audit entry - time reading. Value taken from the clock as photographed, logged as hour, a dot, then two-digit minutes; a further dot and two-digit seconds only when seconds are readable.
10.10.00
